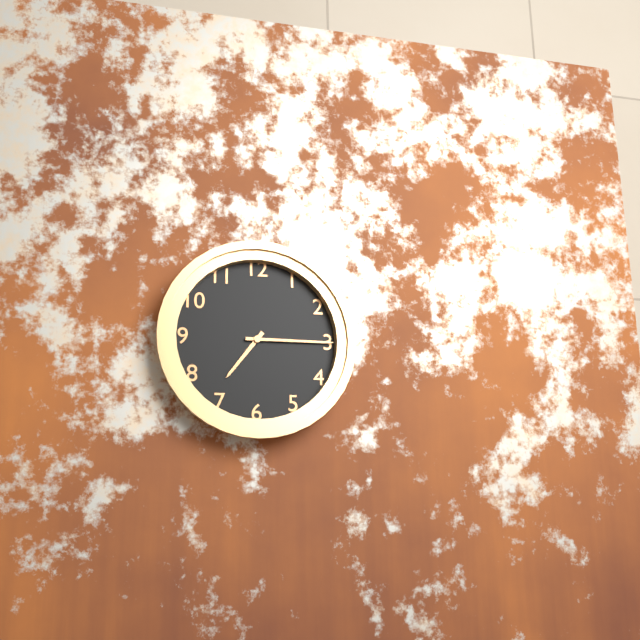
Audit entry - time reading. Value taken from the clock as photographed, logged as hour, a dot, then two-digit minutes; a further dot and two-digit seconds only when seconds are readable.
7.15
